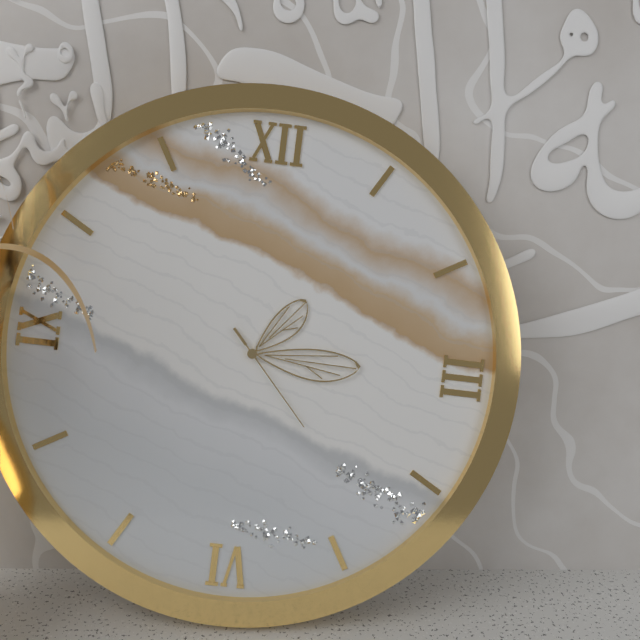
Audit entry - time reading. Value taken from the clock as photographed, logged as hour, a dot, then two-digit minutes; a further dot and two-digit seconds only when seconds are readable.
1.15.23
